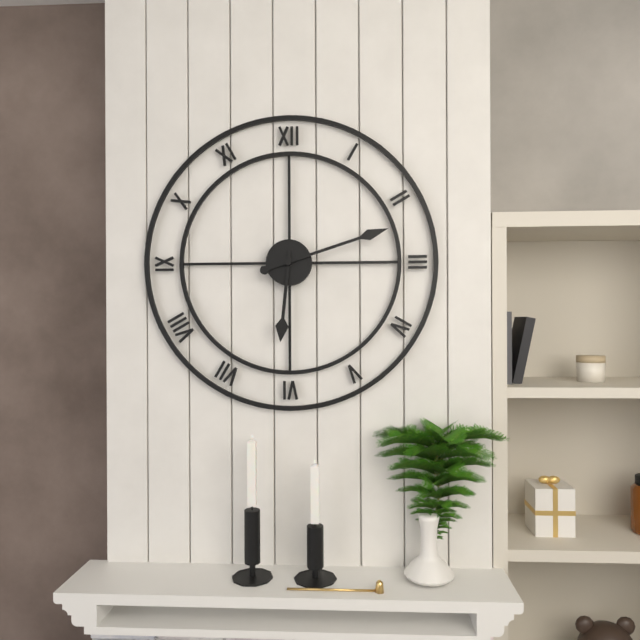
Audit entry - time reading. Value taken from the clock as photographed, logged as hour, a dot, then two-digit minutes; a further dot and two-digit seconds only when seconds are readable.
6.12
